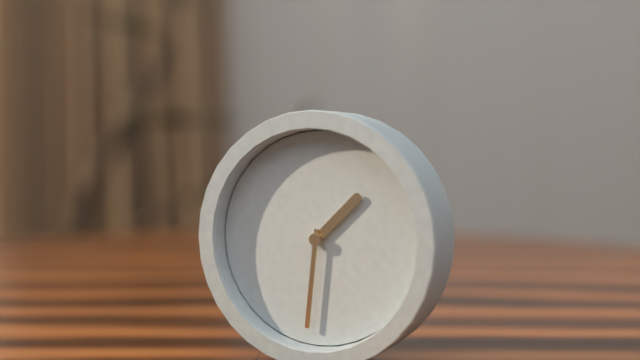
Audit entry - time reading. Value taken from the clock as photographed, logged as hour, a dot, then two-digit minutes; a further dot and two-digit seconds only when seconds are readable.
1.31
